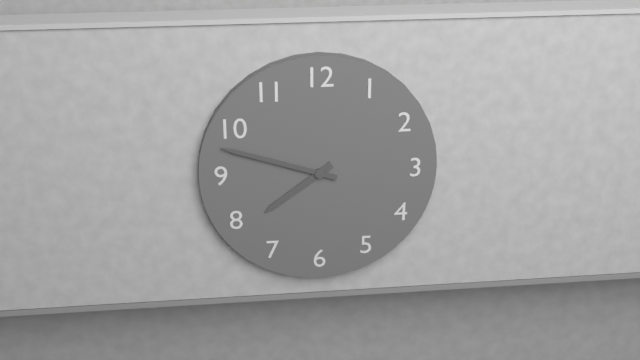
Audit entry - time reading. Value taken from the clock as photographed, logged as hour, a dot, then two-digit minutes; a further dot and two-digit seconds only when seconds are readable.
7.48
